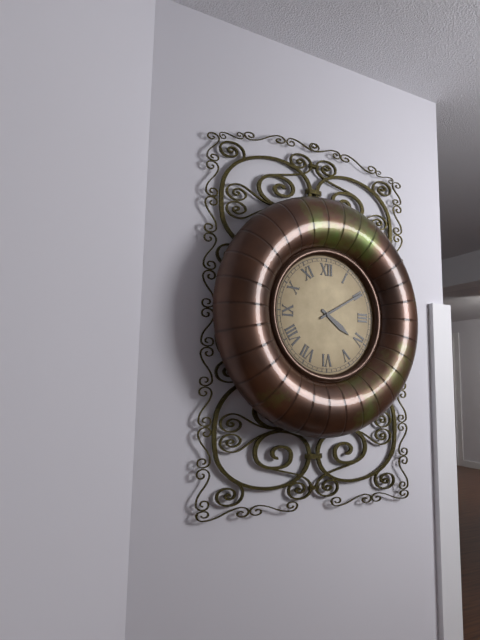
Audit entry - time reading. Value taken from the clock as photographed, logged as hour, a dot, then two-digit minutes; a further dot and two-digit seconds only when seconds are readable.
4.10
